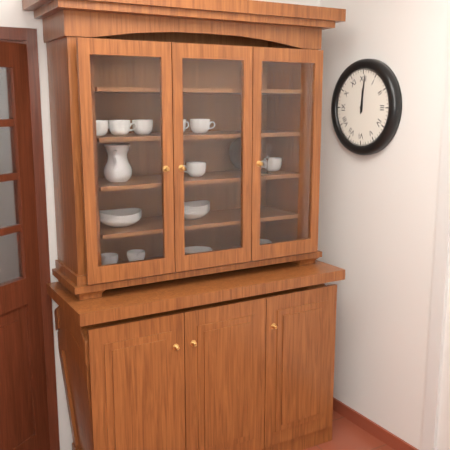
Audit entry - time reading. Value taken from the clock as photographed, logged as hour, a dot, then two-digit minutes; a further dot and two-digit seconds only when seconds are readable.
12.01
